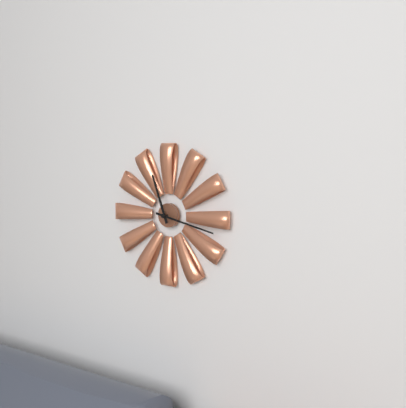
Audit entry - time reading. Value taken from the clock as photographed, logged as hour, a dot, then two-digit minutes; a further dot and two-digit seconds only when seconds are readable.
11.17
